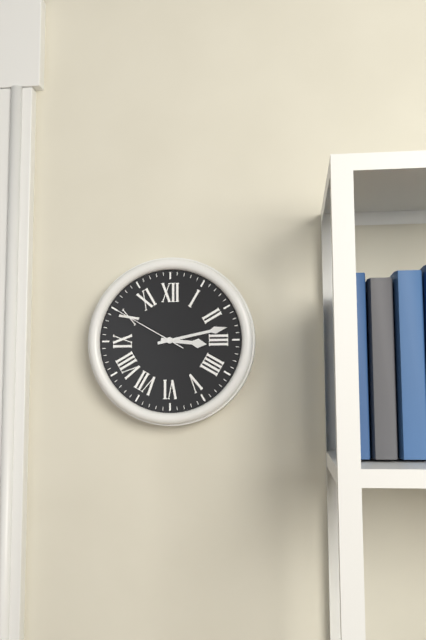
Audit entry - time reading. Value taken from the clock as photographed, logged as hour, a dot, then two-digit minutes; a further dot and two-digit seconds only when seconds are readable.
3.13.50
